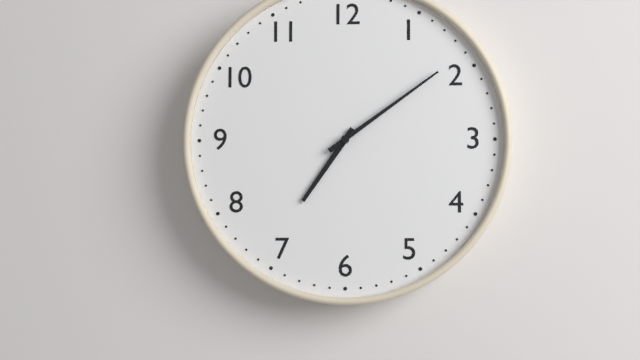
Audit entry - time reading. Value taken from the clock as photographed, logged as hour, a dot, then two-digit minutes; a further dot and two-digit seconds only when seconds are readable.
7.09
